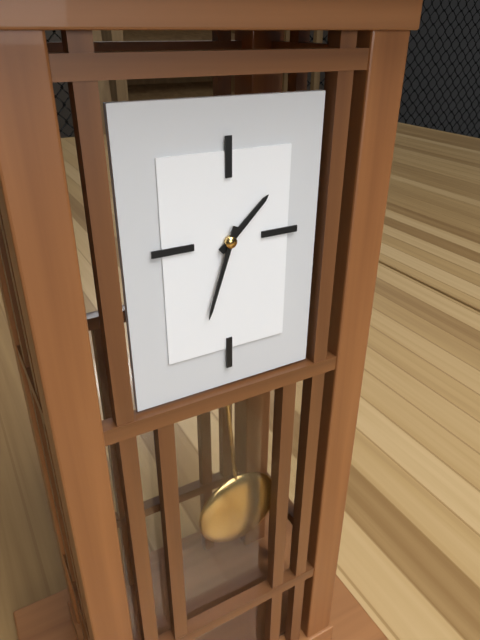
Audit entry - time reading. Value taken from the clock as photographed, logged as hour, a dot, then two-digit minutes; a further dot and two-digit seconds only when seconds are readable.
1.33
